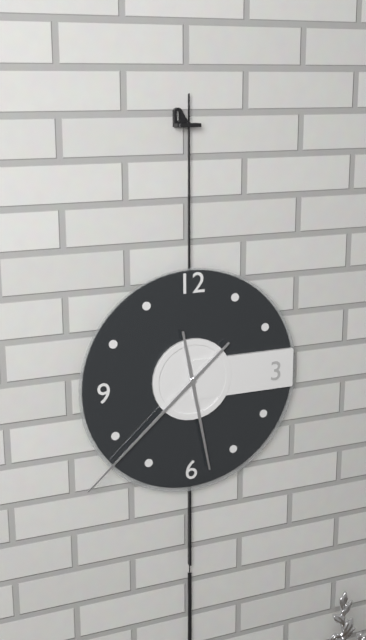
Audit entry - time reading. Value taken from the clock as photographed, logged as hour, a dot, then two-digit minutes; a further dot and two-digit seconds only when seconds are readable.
5.38
